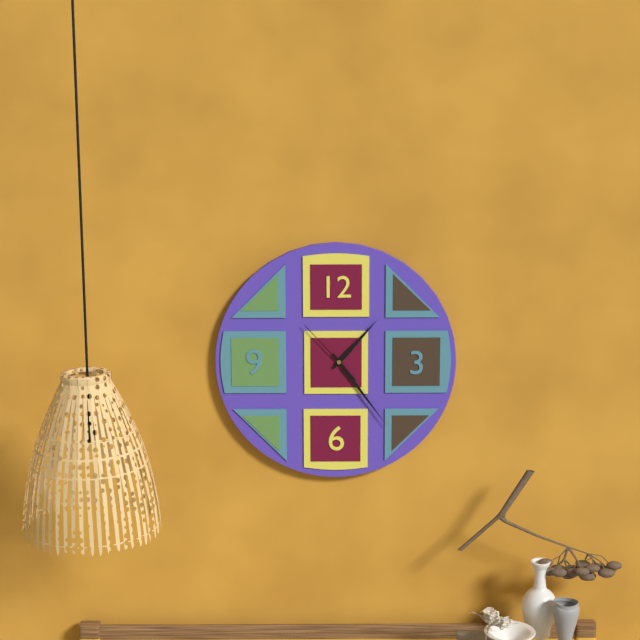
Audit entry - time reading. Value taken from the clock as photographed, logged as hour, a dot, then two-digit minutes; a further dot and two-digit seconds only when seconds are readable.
1.24.53
